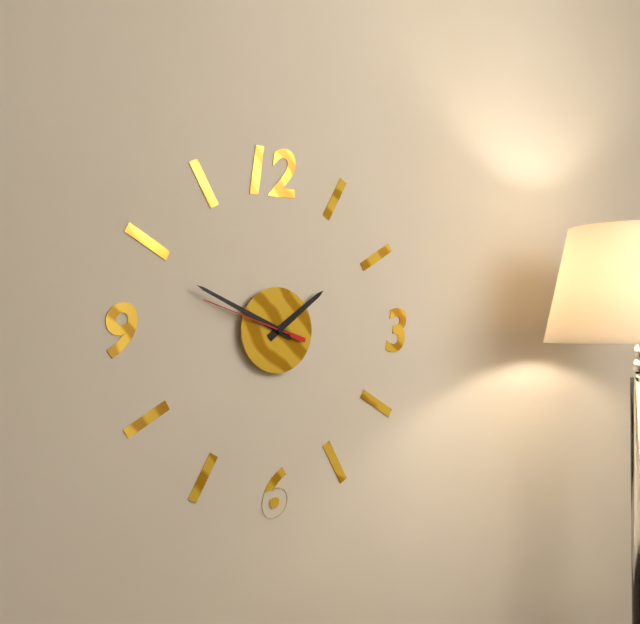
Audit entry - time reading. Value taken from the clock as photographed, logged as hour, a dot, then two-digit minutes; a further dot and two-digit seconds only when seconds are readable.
1.49.48
